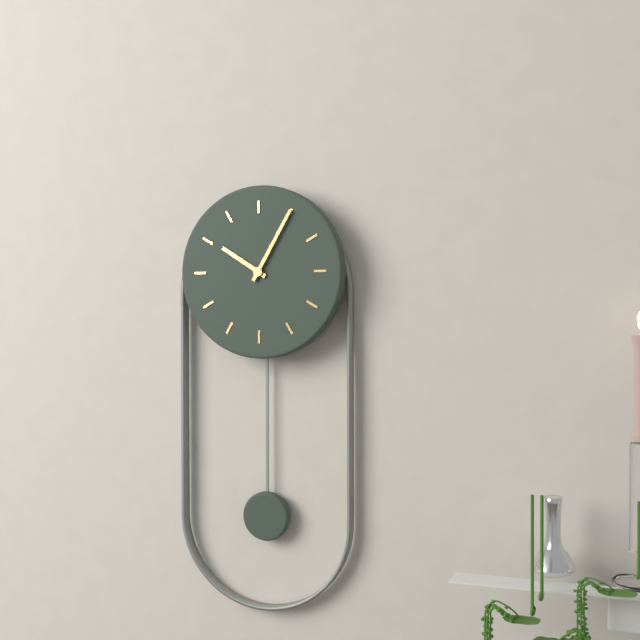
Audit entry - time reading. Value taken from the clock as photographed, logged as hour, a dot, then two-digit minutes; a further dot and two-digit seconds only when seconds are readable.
10.05
